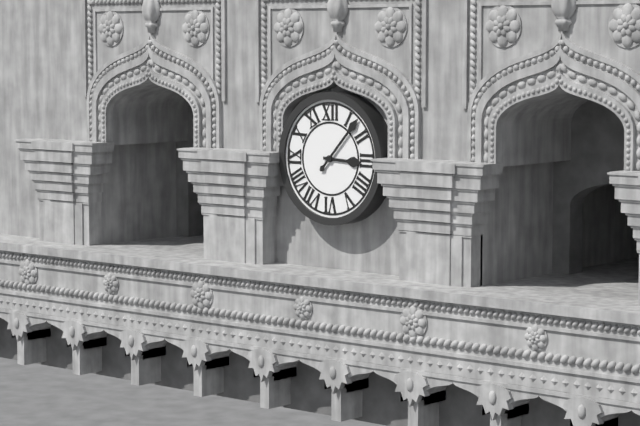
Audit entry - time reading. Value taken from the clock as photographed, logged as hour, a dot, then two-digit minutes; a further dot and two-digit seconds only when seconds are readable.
3.07
